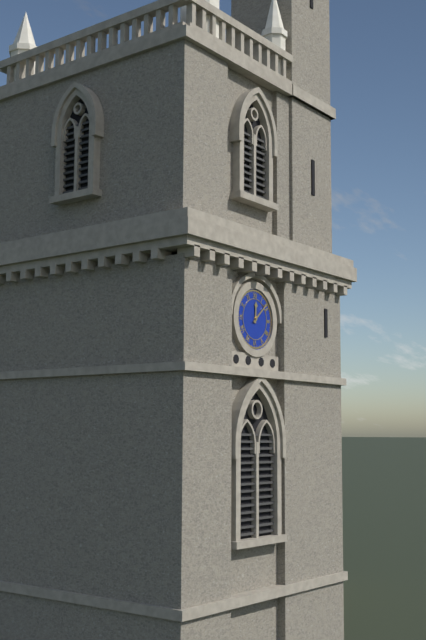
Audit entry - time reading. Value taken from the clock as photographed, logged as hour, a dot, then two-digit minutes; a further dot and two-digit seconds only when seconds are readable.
12.08
